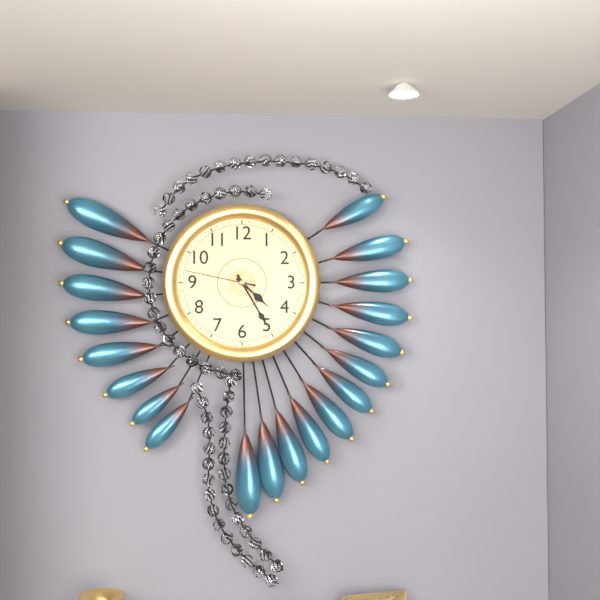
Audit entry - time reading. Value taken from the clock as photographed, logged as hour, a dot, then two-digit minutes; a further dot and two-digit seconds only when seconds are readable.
4.25.47
